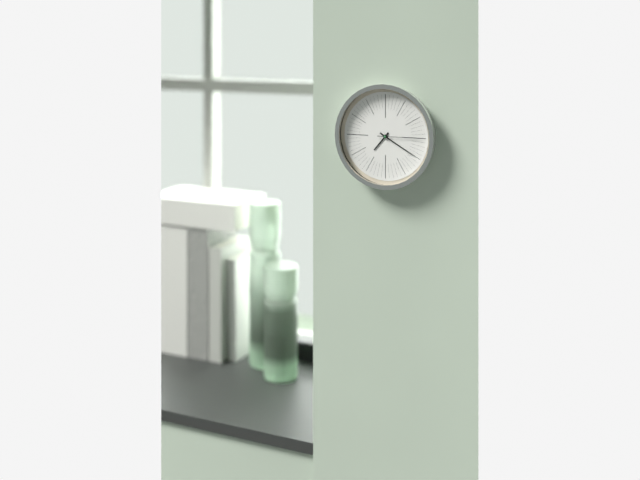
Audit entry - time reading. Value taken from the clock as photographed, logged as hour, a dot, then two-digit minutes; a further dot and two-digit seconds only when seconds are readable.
7.20
